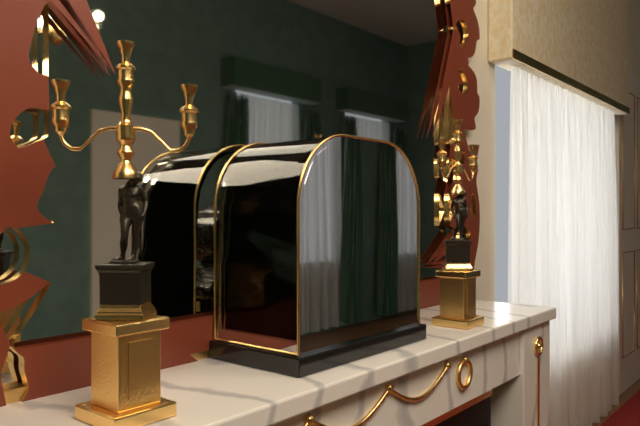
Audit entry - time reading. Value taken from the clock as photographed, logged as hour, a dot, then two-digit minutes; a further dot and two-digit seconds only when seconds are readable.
5.31
